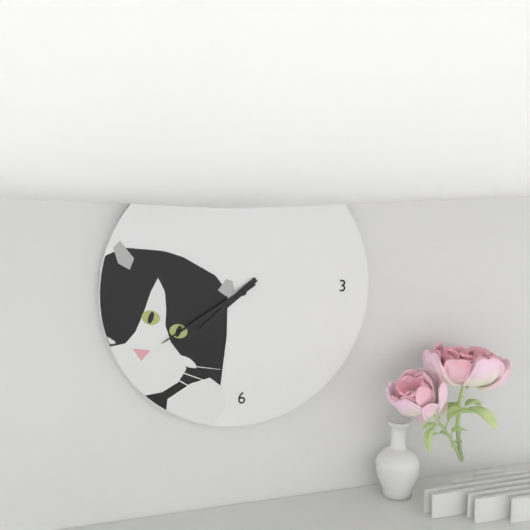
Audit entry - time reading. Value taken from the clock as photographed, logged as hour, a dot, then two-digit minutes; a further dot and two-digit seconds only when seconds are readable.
7.40
